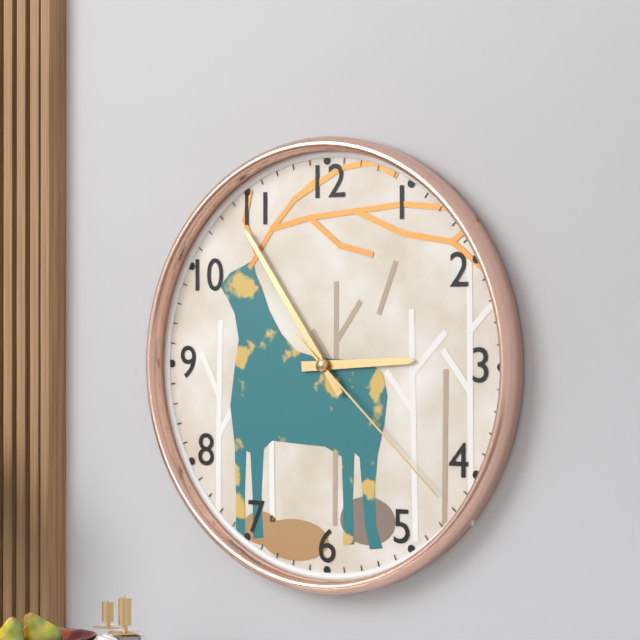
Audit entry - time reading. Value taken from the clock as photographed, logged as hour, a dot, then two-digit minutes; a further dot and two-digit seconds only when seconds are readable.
2.54.22
